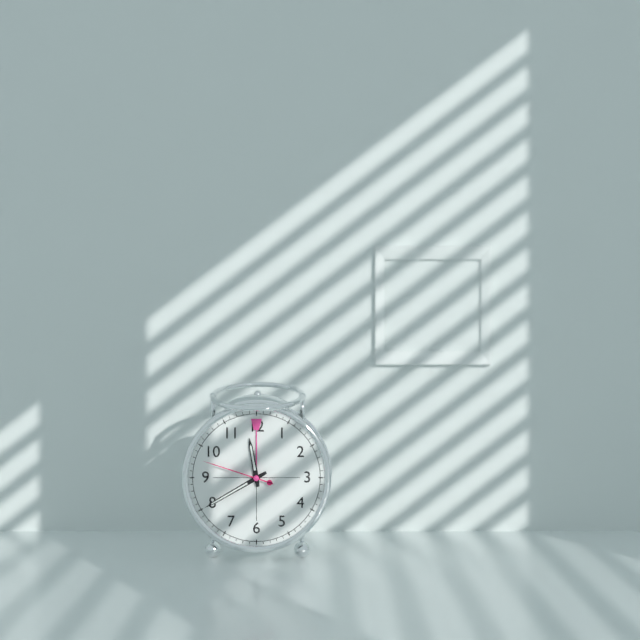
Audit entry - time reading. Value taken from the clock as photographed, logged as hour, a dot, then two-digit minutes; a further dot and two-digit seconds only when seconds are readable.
11.40.48
